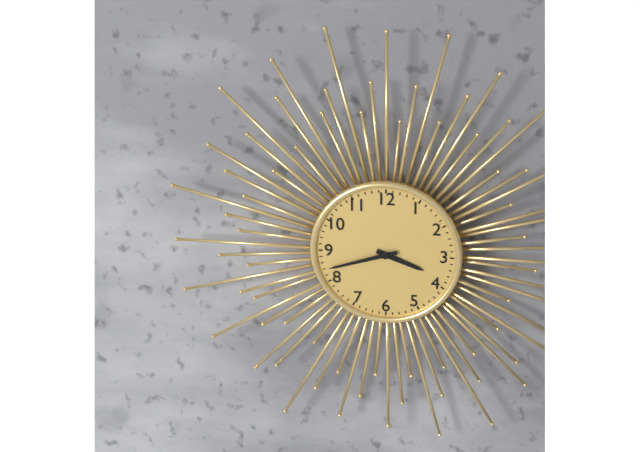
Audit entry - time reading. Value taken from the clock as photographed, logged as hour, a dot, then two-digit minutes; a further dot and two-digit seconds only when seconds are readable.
3.42
